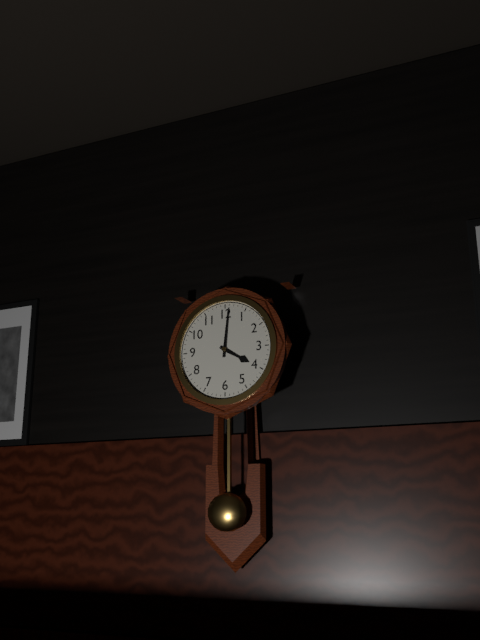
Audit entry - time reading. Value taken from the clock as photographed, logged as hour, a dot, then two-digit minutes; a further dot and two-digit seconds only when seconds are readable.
4.01
